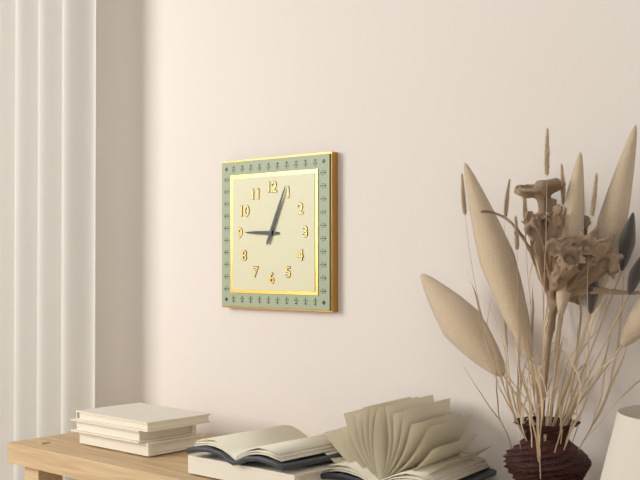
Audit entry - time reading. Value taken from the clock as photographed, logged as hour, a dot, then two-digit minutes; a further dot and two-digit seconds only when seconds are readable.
9.04
